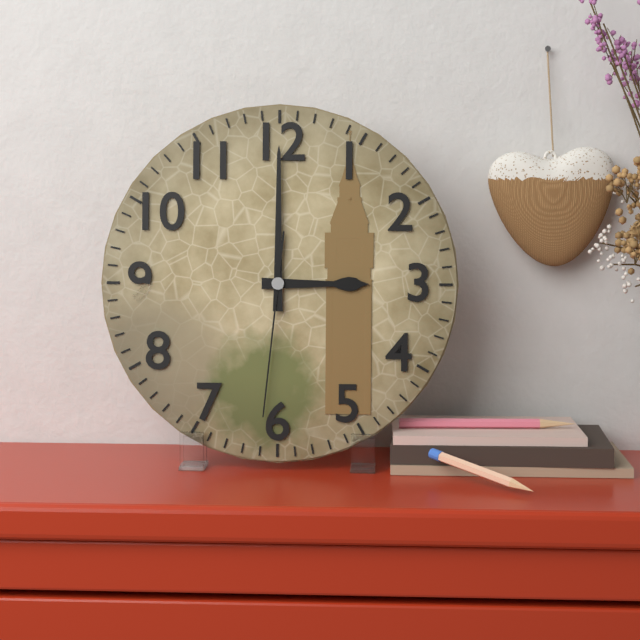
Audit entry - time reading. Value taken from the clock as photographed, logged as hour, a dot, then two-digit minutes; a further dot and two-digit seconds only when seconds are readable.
3.00.31
